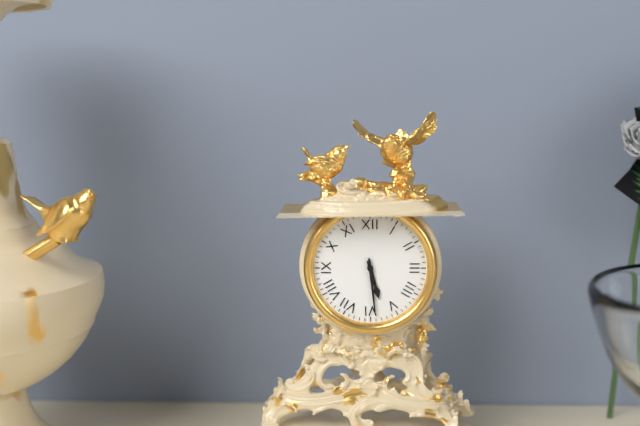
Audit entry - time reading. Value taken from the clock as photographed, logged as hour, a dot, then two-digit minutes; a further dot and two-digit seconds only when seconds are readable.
5.29
